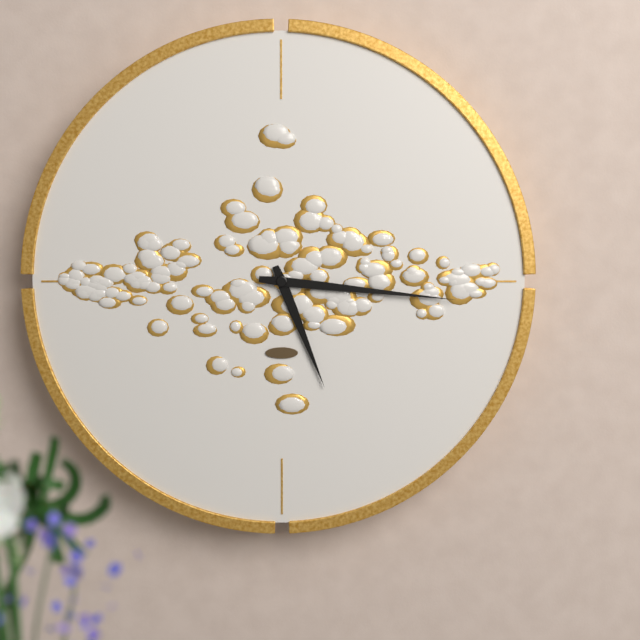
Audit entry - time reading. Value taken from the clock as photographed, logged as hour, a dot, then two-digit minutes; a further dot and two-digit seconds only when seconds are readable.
5.16
